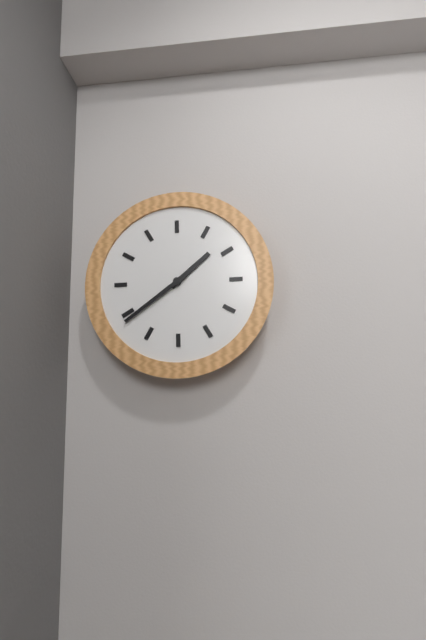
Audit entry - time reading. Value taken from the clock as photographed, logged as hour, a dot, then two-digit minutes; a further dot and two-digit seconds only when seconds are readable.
1.39
